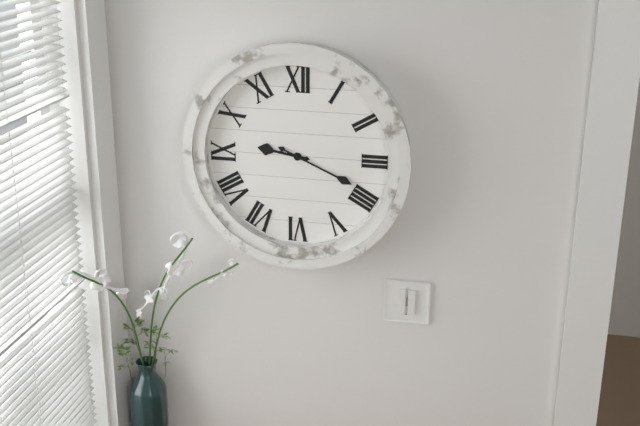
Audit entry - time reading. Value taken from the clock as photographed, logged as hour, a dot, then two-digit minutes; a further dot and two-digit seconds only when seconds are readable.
9.19
